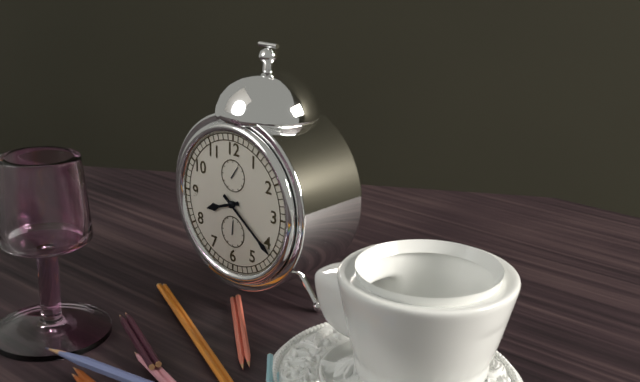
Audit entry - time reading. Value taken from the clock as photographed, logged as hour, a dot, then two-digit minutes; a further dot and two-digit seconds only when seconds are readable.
8.21
